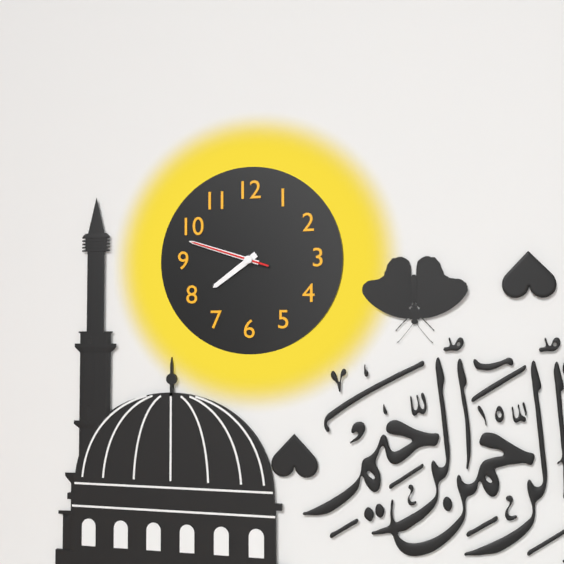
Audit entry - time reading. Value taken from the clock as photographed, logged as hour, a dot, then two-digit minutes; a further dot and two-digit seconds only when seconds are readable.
7.48.48
